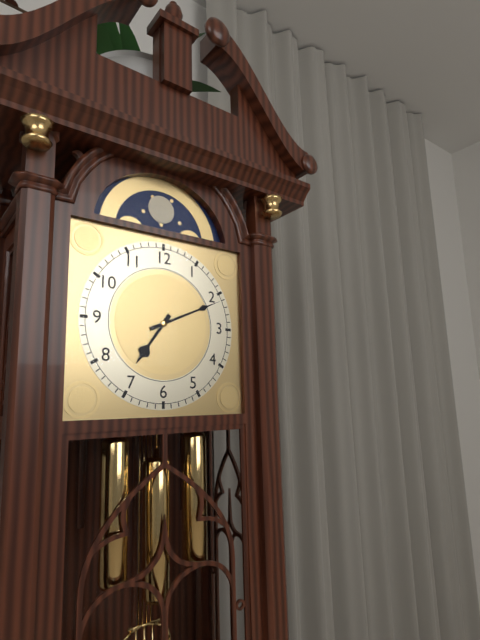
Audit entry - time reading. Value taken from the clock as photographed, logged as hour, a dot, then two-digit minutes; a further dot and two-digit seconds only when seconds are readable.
7.11
